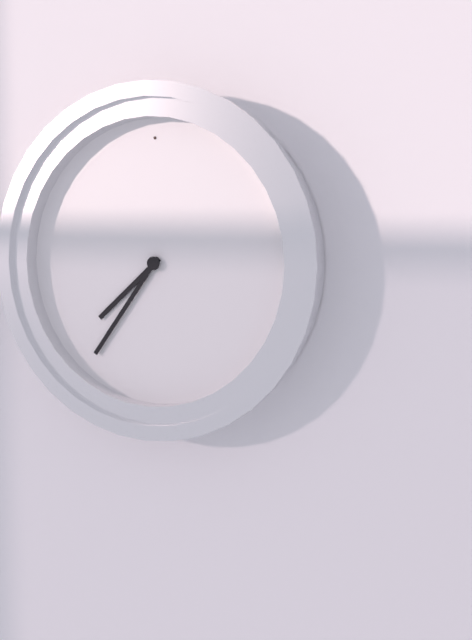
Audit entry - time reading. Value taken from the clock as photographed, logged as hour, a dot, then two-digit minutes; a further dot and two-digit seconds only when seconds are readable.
7.36
